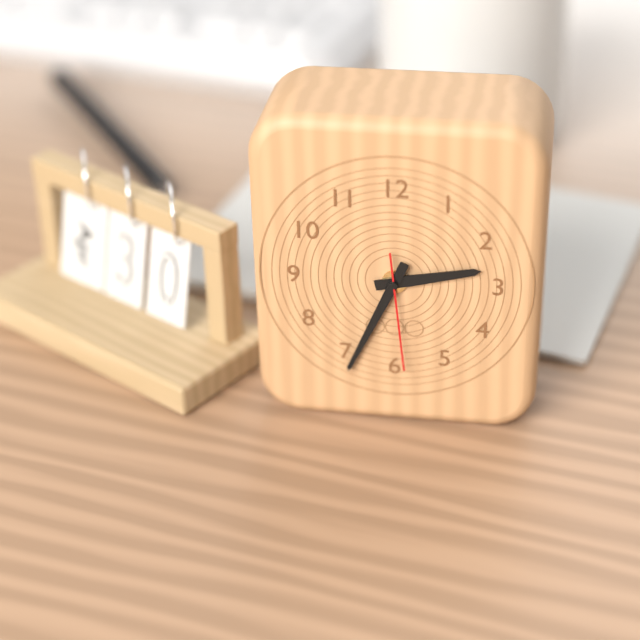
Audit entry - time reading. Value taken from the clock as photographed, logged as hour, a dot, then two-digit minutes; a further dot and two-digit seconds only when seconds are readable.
2.34.29
